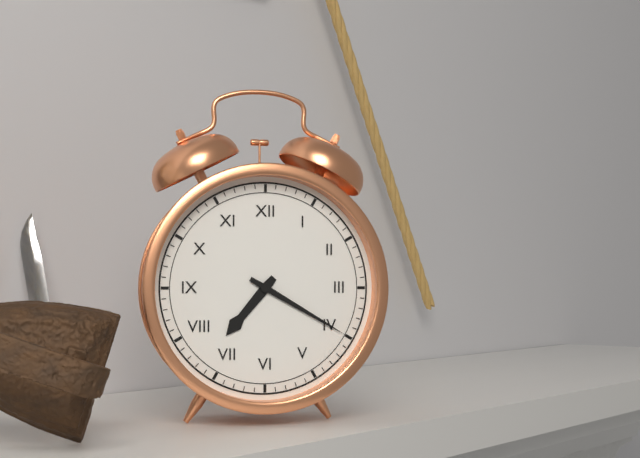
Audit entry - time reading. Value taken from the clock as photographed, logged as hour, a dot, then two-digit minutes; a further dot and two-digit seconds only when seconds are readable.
7.20
